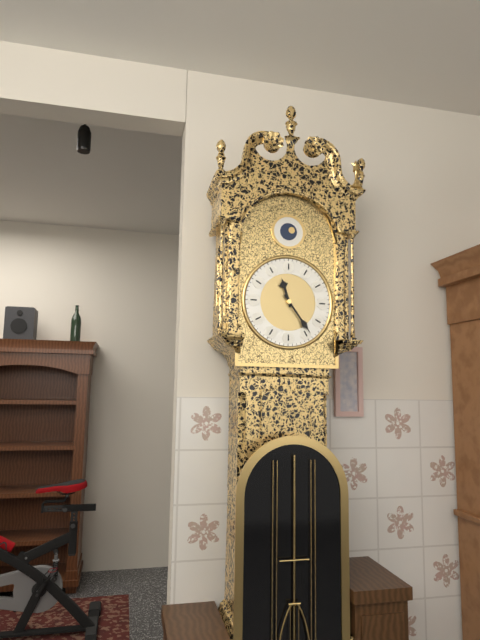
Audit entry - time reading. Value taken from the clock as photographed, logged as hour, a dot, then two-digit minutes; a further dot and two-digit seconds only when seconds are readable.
11.24
